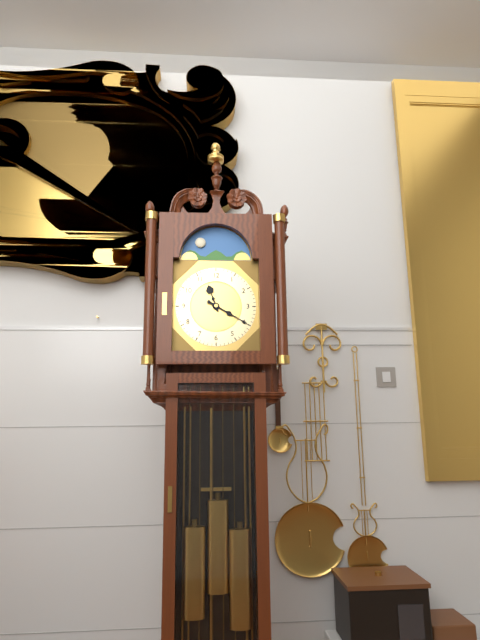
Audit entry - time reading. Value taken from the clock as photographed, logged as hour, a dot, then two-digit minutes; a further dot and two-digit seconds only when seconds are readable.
11.20
